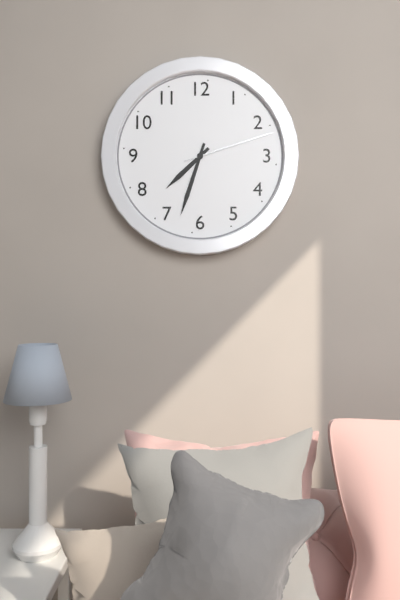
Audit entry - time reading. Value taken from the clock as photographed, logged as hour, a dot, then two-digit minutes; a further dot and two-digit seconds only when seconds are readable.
7.33.12
